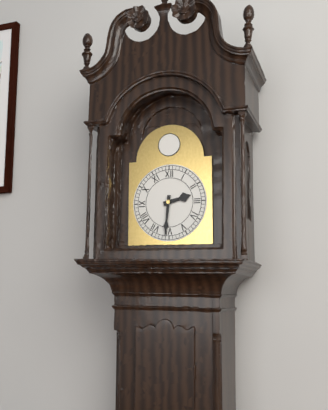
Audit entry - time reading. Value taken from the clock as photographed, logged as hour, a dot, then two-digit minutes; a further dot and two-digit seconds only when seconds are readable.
2.31
